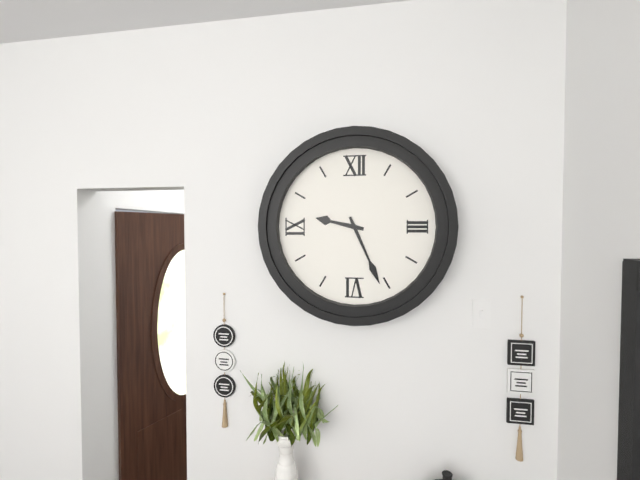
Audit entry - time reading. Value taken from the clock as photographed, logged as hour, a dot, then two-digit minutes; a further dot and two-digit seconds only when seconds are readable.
9.26
